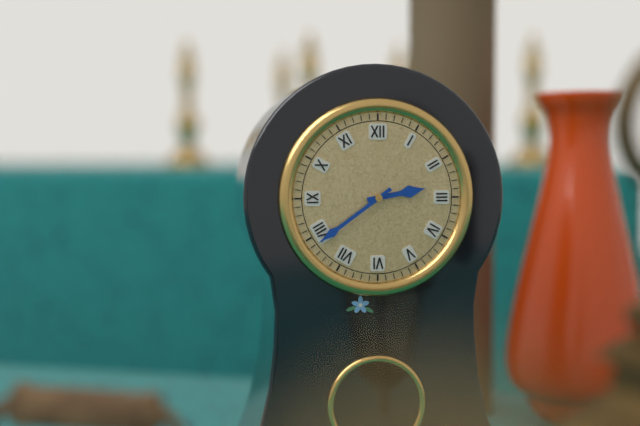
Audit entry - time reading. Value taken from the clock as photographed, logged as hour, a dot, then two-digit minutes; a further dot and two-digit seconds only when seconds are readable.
2.39
